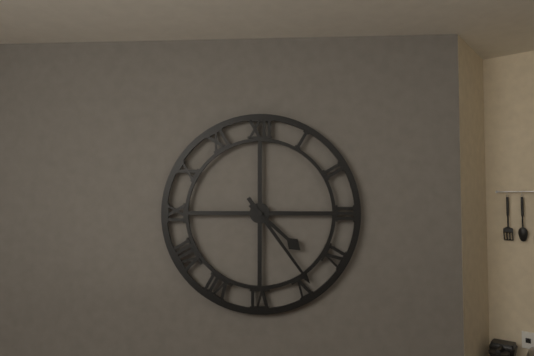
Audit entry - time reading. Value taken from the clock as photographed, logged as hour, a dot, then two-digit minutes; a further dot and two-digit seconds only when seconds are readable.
4.24
